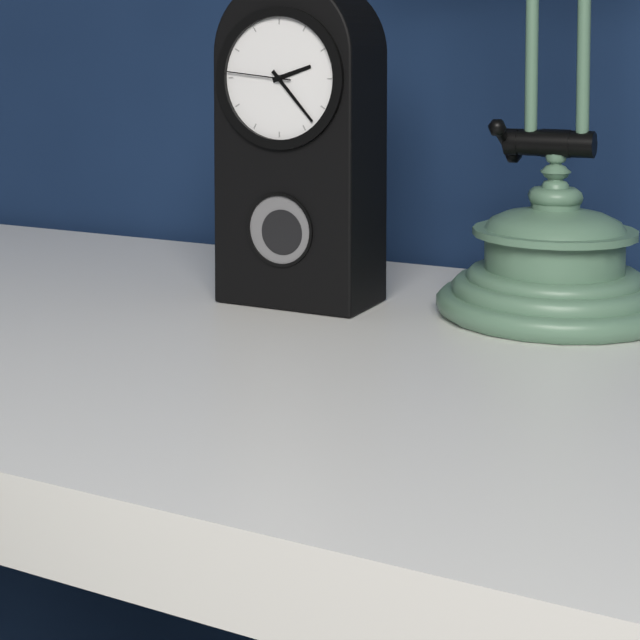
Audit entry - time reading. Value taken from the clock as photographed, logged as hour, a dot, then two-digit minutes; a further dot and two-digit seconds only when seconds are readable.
2.23.46
